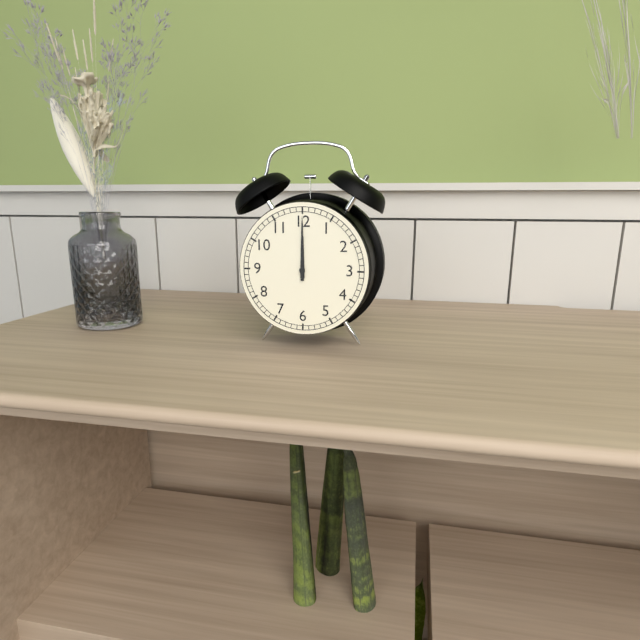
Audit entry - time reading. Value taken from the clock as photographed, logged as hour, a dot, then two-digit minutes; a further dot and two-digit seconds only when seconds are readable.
12.00
